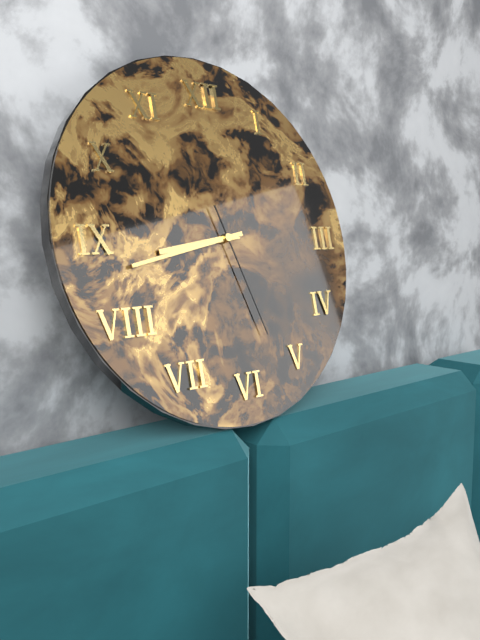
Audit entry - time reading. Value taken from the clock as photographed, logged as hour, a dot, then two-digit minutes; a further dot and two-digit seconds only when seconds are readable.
8.43.27
